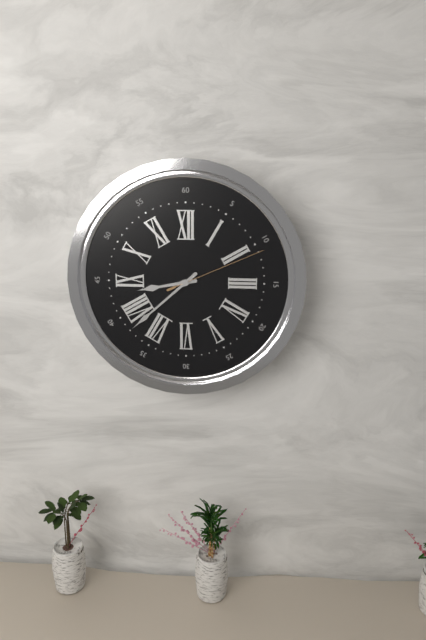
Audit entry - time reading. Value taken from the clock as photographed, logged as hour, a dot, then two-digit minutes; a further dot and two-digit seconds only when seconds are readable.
8.38.11
